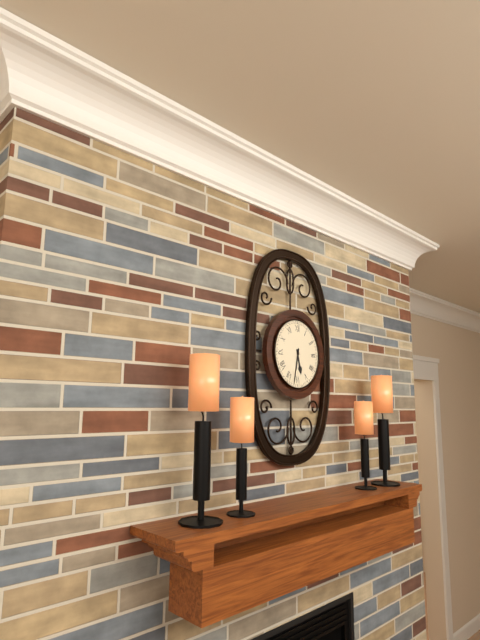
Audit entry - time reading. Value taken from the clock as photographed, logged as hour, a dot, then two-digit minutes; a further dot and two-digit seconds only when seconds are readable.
5.32
